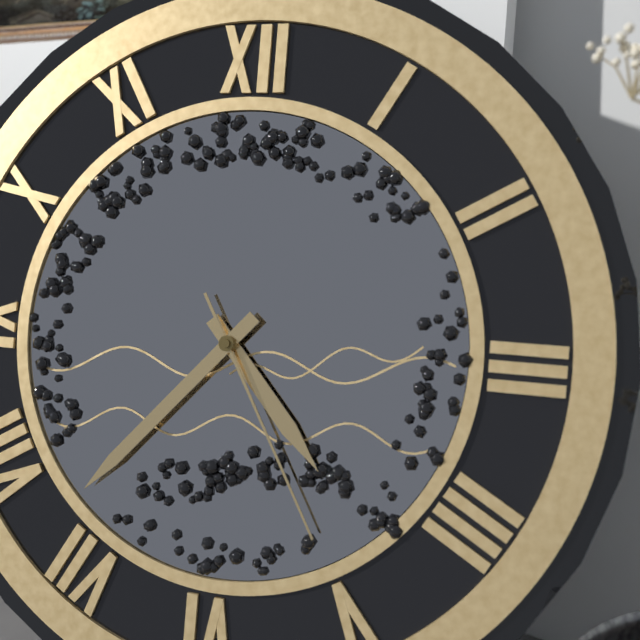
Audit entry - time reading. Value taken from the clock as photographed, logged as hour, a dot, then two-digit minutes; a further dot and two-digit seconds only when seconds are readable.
4.37.25
